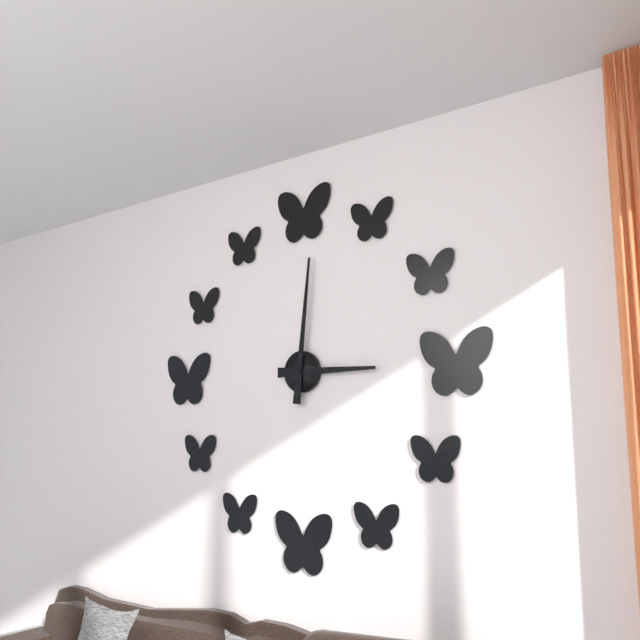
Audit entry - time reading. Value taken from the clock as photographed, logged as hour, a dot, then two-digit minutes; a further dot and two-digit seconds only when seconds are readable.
3.01
